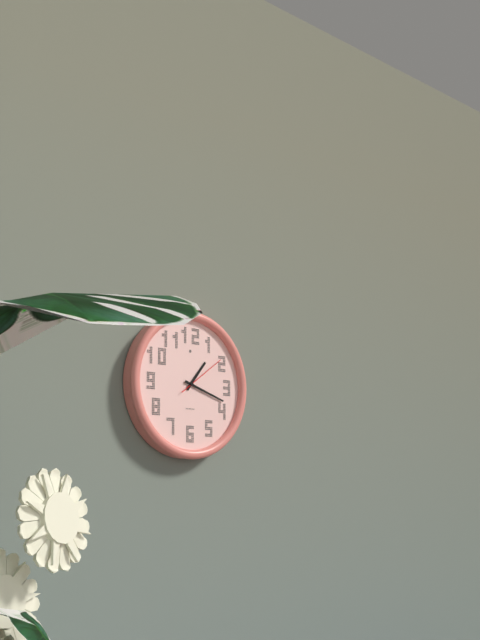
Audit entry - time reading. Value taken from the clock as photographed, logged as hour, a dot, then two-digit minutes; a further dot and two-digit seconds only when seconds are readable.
1.18
